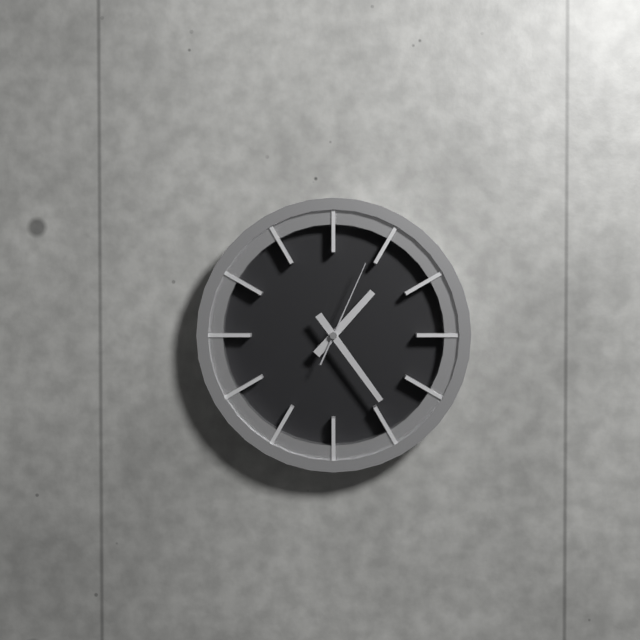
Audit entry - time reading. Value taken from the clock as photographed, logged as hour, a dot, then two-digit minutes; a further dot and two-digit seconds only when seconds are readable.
1.24.04
